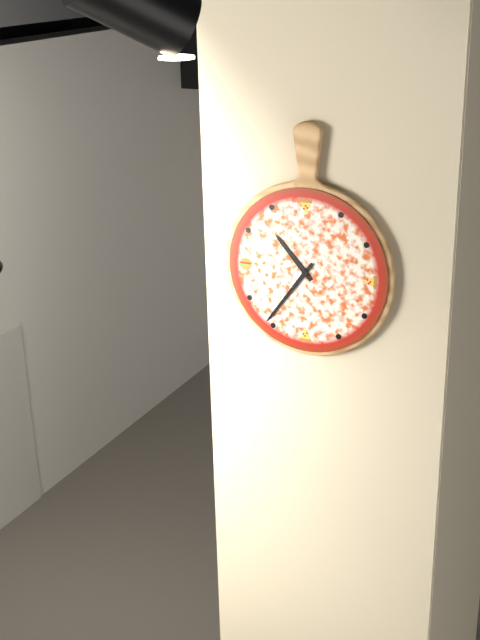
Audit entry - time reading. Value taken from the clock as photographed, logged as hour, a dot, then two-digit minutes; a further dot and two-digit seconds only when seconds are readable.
10.36
